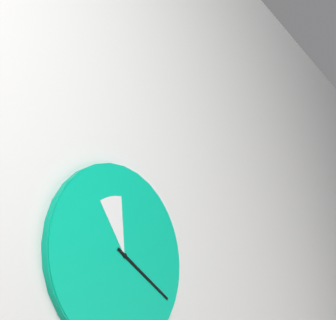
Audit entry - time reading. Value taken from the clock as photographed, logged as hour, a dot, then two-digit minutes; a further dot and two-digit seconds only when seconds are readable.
11.20
